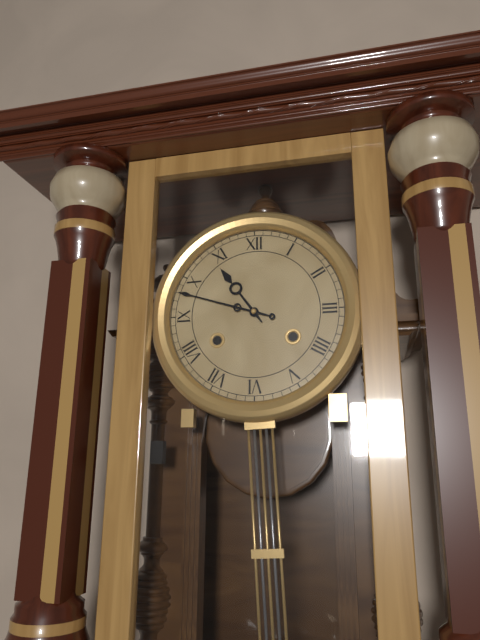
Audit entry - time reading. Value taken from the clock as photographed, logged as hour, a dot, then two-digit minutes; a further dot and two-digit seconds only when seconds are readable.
10.48
